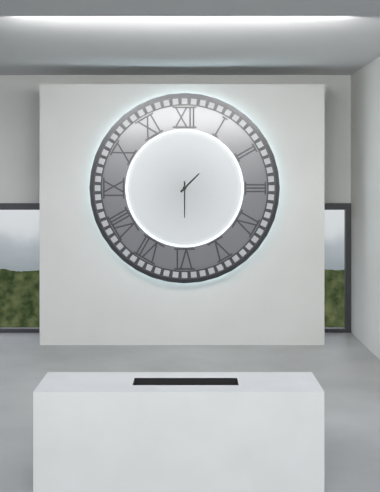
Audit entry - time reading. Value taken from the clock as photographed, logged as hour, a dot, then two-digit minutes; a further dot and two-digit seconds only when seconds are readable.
1.30
